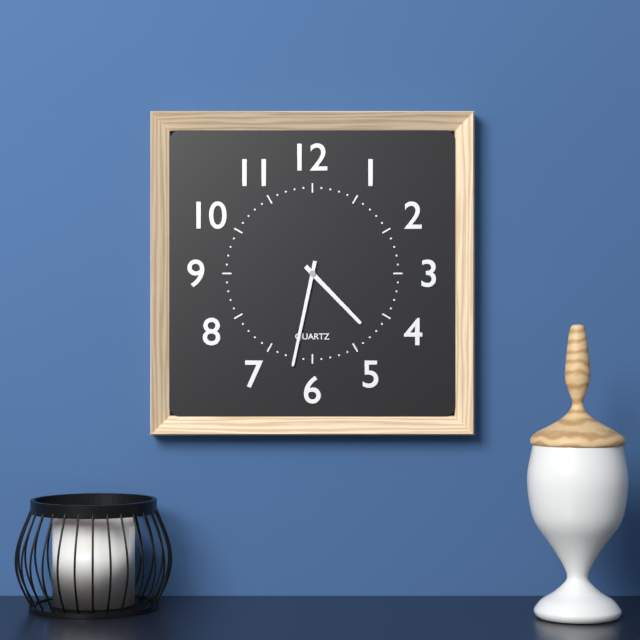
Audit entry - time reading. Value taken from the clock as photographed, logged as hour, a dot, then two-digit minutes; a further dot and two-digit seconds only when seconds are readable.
4.32
